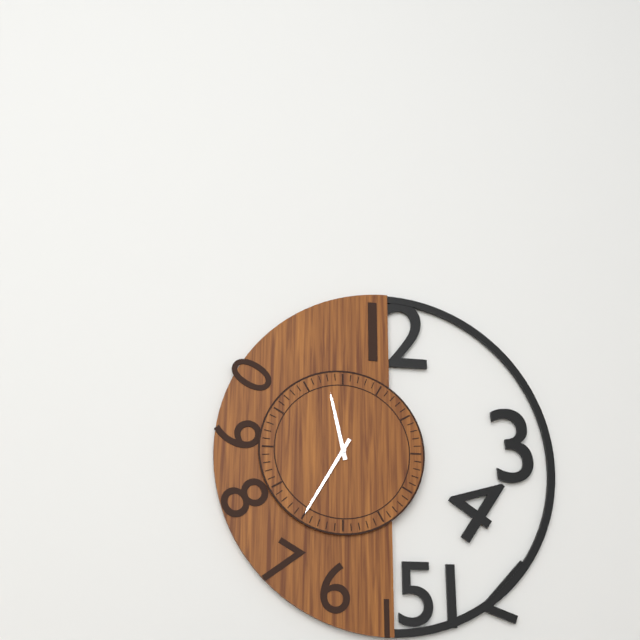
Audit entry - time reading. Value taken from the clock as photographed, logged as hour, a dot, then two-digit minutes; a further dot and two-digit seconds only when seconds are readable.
11.35
